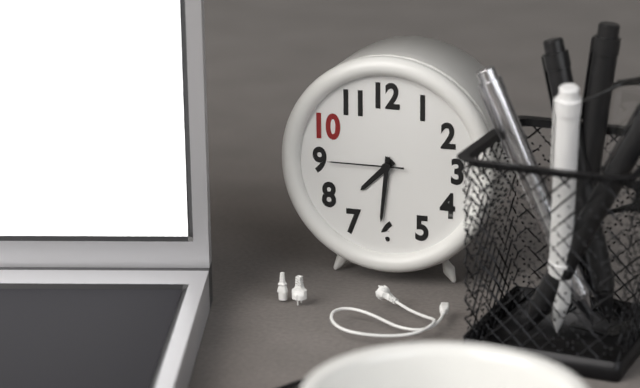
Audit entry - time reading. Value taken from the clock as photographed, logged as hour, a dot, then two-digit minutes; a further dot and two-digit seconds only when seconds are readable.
7.31.45
